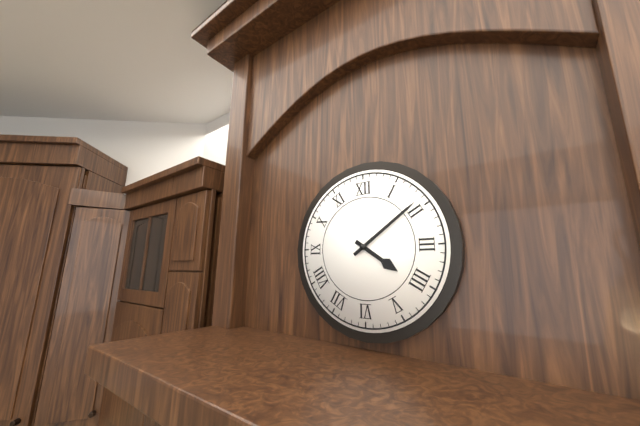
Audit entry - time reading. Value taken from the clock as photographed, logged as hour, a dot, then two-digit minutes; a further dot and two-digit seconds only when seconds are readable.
4.09
